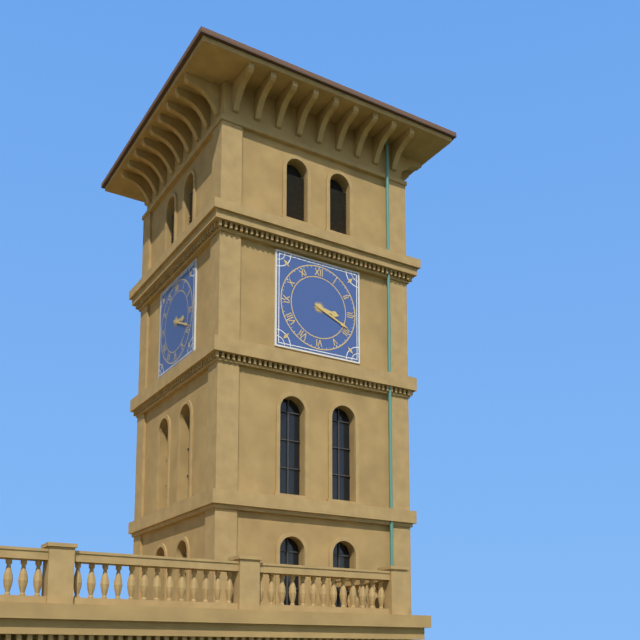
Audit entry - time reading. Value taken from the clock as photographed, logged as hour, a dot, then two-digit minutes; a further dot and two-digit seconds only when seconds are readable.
3.19
